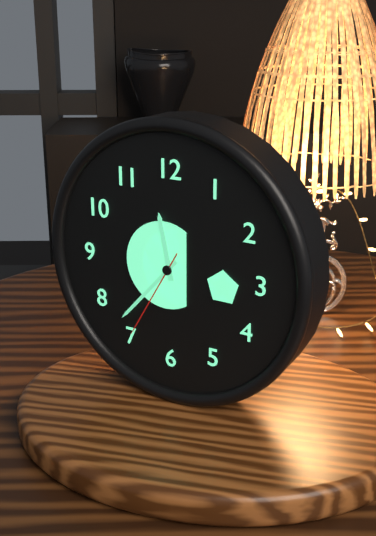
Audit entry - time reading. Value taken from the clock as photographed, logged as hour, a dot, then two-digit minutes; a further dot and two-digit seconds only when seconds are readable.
11.37.35
